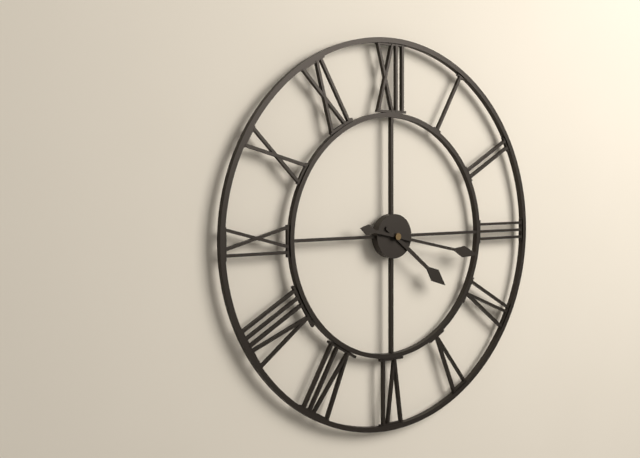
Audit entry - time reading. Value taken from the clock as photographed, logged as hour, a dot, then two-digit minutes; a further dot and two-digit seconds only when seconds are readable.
4.17
